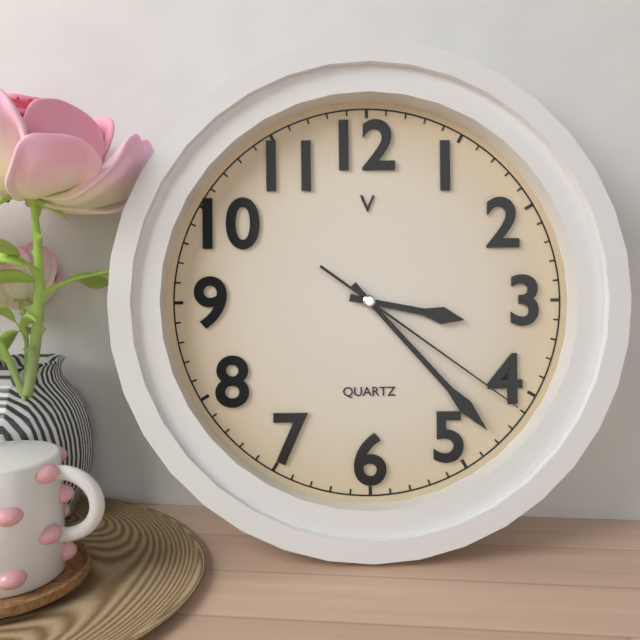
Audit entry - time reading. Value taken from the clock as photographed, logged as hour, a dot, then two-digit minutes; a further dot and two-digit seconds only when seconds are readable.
3.23.21
